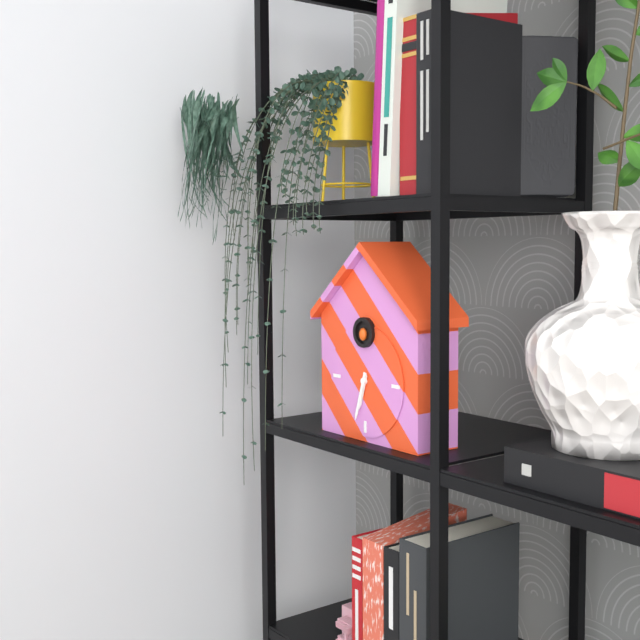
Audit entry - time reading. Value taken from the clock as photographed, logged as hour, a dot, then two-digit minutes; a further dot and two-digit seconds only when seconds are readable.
6.33
